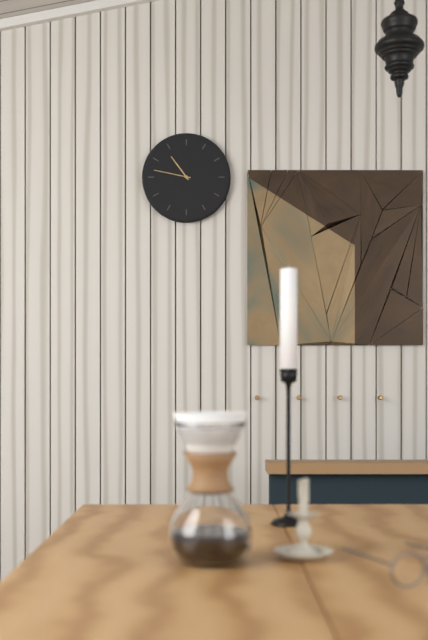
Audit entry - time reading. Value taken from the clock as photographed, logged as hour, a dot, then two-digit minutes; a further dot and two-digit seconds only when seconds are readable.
10.47
